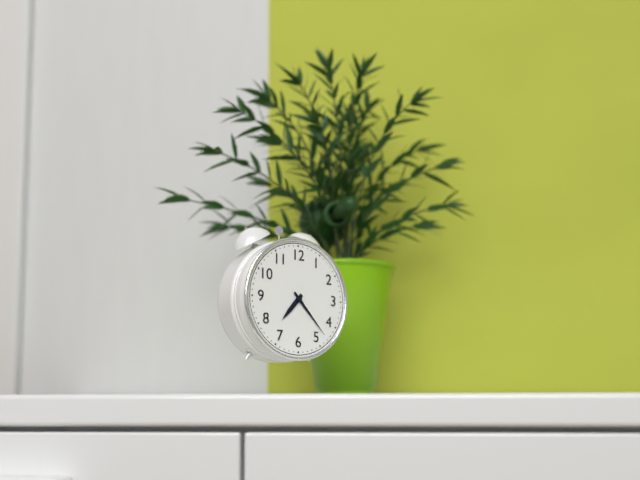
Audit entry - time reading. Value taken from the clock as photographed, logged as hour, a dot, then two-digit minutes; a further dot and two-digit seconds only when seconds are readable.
7.23
